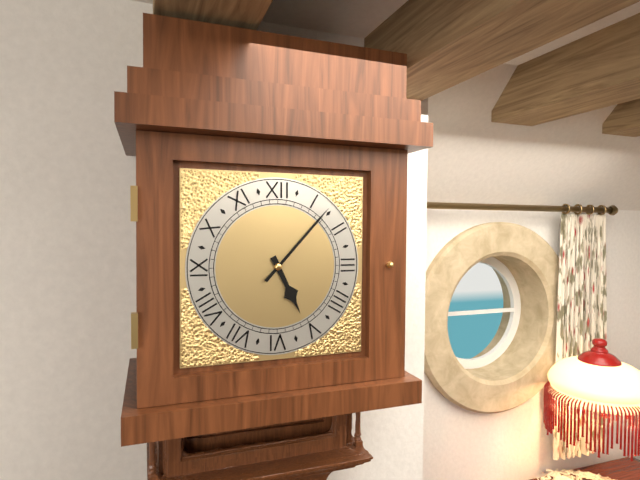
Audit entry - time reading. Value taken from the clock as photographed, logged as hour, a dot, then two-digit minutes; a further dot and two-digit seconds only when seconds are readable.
5.07
